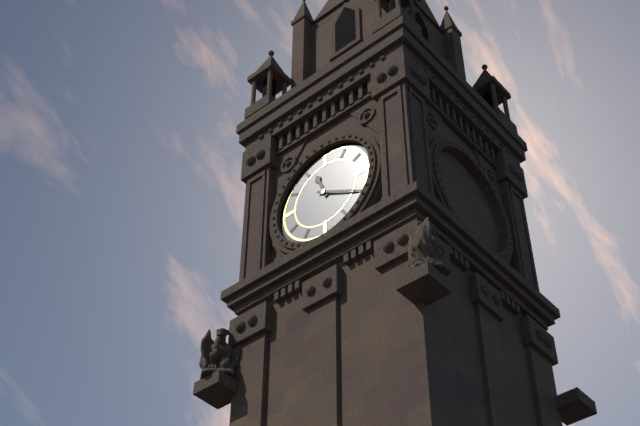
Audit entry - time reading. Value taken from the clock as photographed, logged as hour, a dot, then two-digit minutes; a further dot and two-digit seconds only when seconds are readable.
11.20
